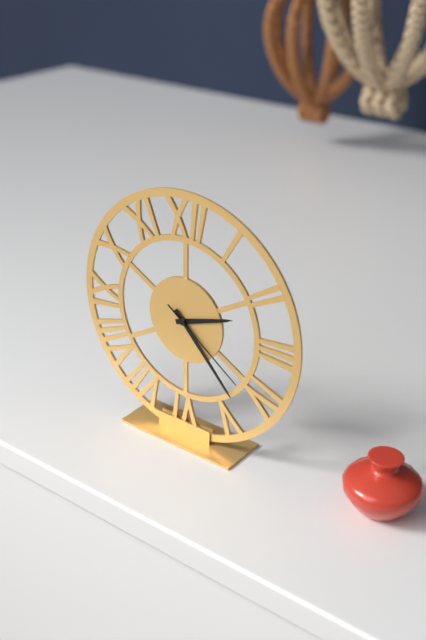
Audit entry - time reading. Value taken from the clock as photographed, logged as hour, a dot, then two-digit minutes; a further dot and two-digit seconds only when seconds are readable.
2.23.21
